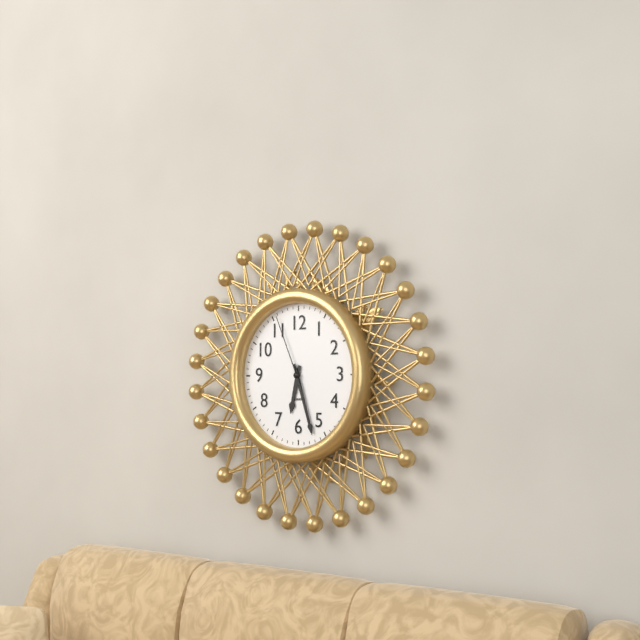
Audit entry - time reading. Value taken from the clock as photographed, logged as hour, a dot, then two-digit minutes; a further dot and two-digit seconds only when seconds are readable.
6.27.56
